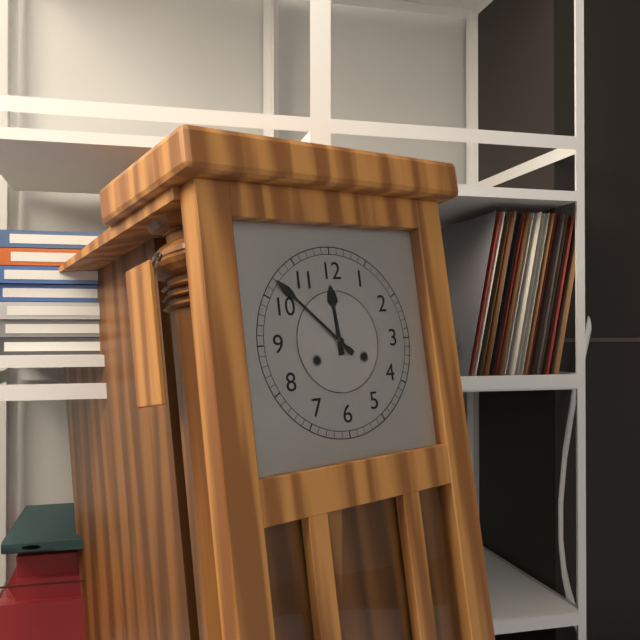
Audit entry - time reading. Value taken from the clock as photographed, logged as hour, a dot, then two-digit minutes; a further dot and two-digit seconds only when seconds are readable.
11.52
